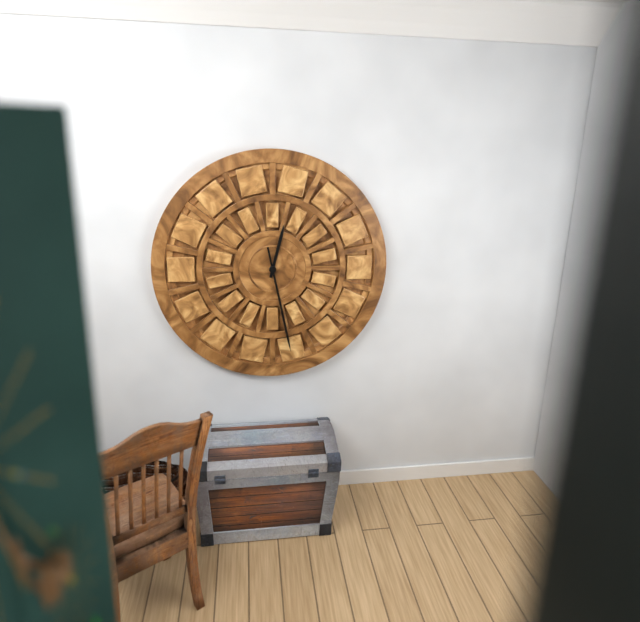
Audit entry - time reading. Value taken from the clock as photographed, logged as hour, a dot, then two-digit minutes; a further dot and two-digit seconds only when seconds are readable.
12.28
